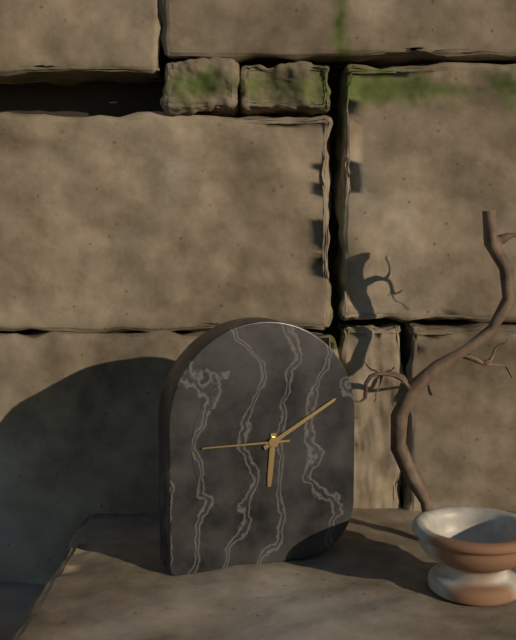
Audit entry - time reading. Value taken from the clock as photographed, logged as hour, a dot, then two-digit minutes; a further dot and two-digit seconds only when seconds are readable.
6.10.45
